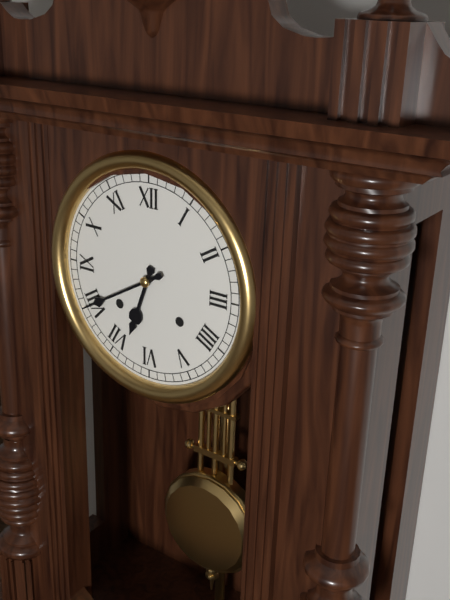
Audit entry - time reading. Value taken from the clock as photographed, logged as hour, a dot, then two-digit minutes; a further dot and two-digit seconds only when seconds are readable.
6.40
